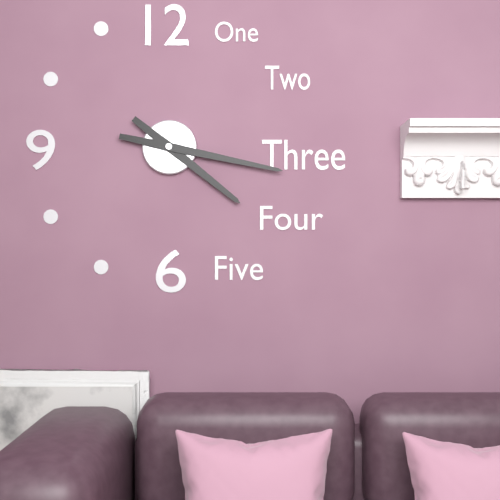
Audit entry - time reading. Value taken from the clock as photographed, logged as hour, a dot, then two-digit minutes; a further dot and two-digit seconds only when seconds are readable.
4.17
